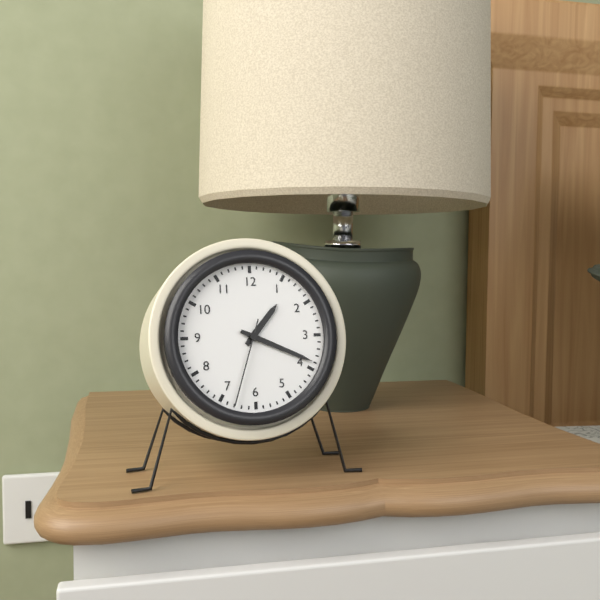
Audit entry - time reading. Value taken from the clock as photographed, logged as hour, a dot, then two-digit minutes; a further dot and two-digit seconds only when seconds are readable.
1.19.33
